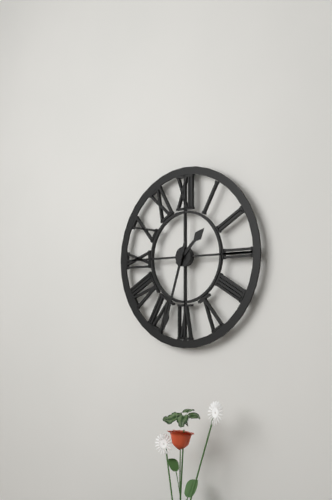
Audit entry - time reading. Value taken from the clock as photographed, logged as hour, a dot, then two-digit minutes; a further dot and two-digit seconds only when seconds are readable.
1.33
